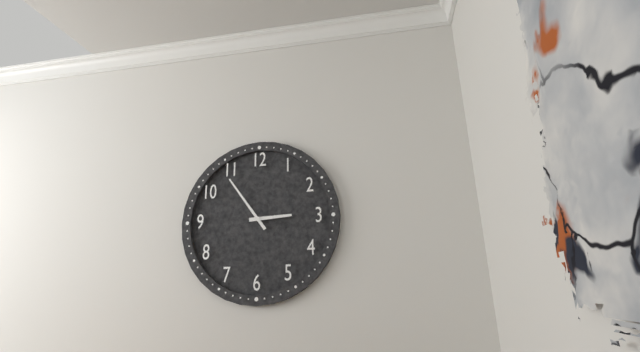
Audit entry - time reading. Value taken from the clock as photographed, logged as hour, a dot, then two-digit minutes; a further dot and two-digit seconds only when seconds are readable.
2.54
